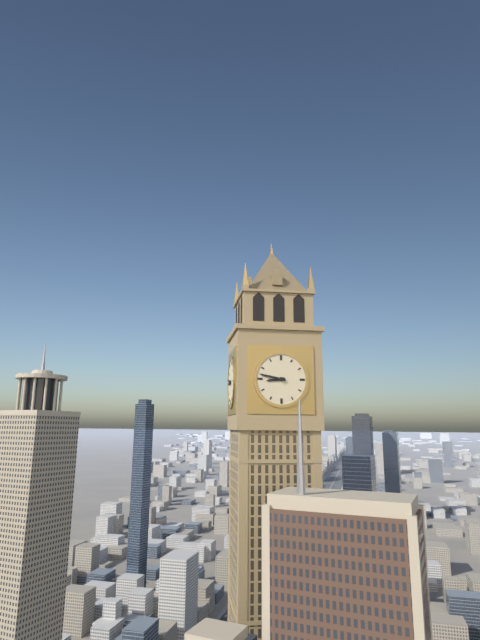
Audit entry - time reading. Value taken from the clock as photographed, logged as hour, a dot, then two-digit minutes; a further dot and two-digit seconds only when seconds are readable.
8.47
